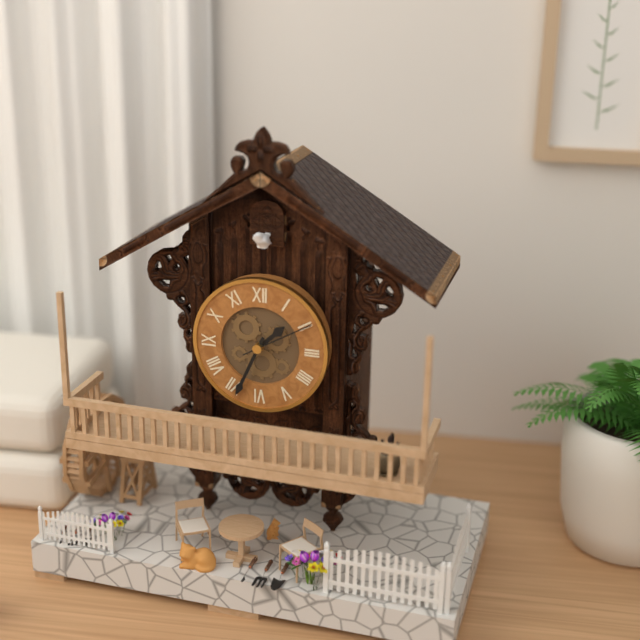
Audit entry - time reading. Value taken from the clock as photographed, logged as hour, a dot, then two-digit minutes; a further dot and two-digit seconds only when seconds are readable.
1.34.10
